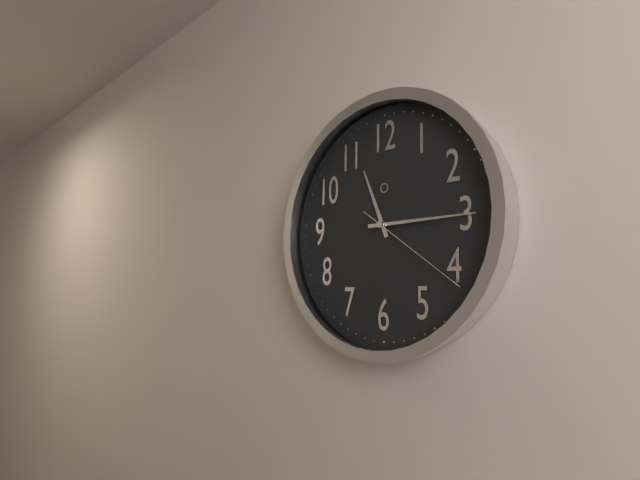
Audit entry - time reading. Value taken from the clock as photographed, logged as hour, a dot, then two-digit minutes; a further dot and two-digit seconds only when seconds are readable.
11.15.21
